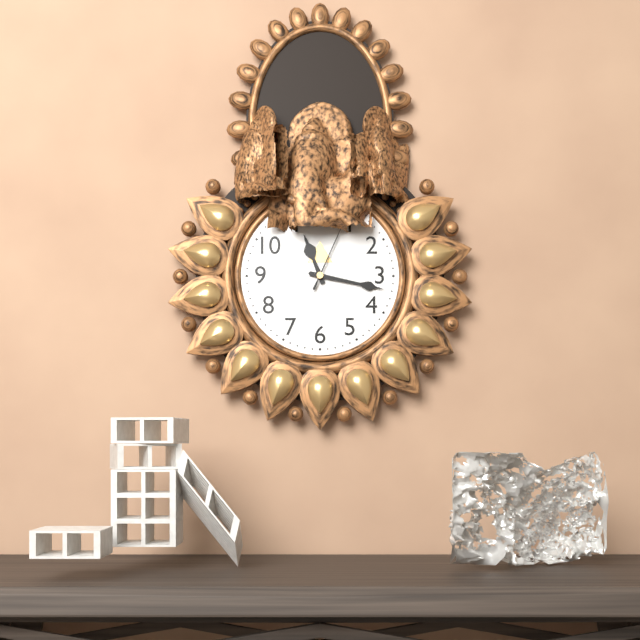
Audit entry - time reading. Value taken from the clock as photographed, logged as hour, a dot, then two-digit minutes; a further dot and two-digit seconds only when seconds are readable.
11.17.04
